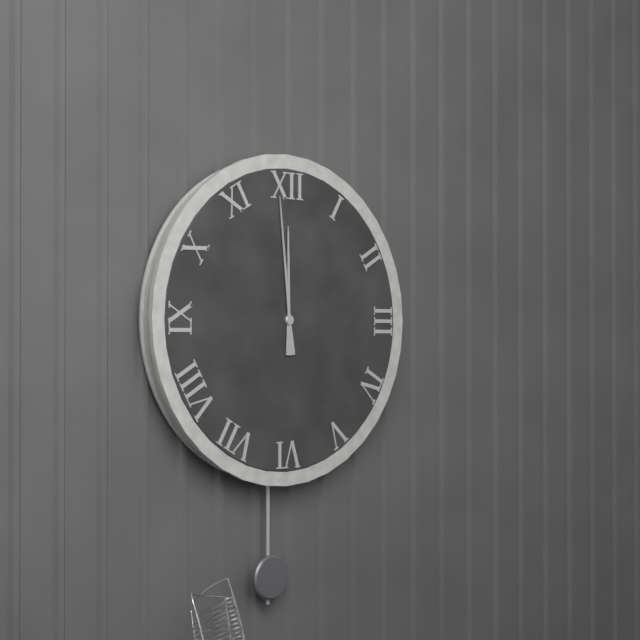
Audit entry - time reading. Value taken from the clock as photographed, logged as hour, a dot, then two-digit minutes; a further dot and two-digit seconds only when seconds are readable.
11.59
